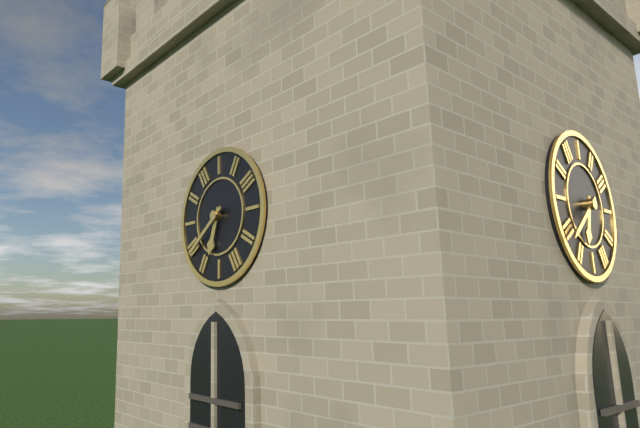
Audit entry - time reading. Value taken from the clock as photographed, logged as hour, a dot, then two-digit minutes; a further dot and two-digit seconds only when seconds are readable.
6.39
